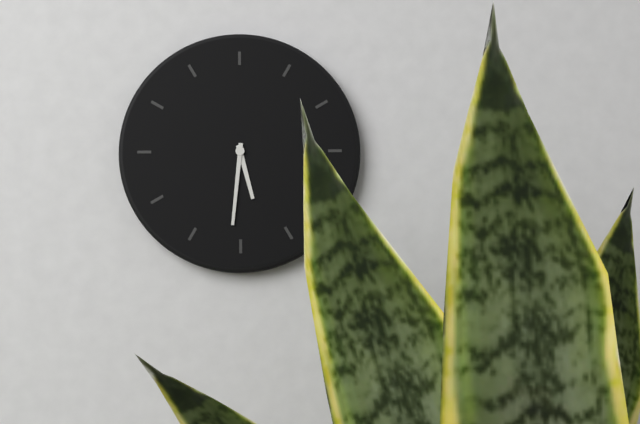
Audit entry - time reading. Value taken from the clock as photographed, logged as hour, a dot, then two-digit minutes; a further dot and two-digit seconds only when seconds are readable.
5.31
